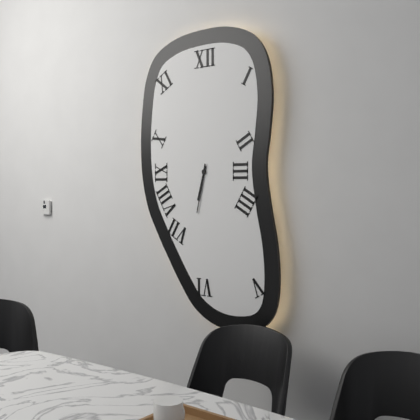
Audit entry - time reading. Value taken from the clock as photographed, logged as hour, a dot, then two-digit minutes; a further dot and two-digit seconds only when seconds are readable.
6.32
